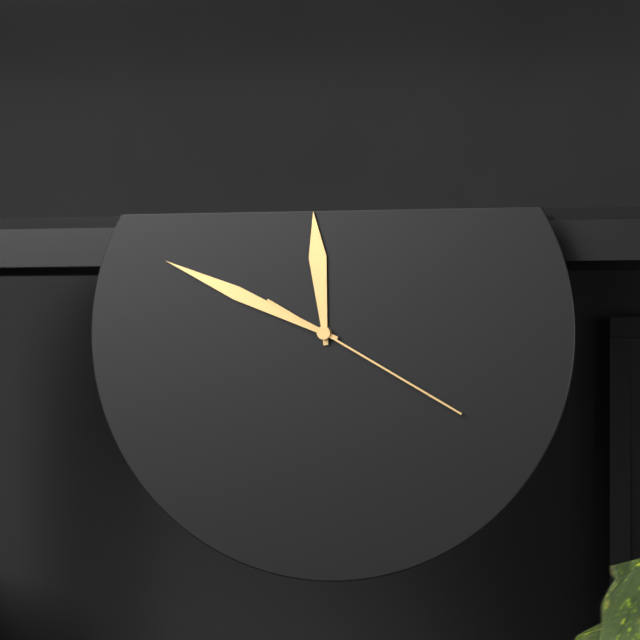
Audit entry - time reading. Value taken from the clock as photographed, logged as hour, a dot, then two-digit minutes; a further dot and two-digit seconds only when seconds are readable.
11.49.20
